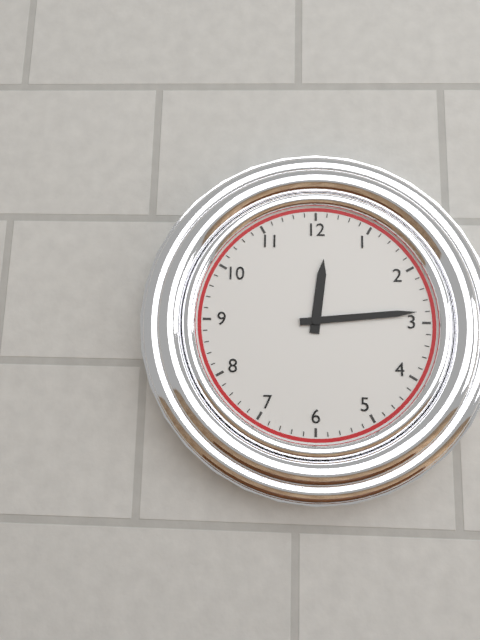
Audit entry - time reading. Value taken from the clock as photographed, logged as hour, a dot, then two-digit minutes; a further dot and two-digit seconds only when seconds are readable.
12.14
